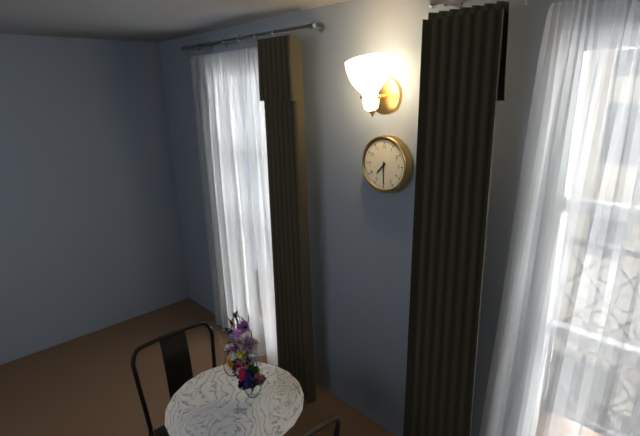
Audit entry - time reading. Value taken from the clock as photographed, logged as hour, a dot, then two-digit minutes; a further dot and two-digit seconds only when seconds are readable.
7.30
